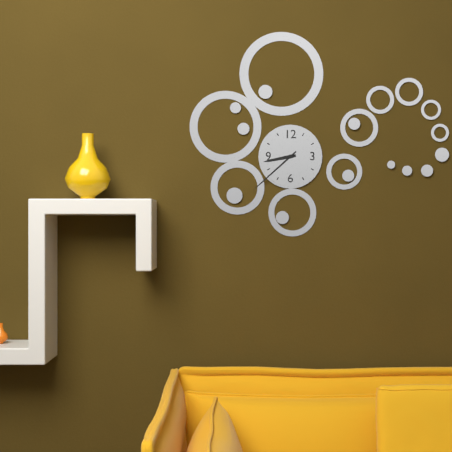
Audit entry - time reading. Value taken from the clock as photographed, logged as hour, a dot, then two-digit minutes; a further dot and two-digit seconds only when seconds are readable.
8.38
